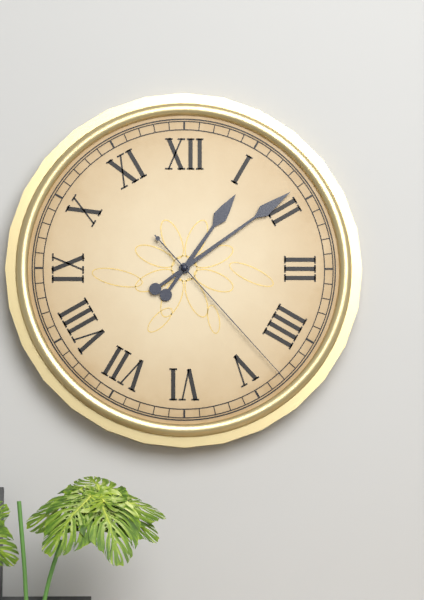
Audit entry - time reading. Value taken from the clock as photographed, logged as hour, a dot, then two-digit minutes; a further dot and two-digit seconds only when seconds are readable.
1.09.23
